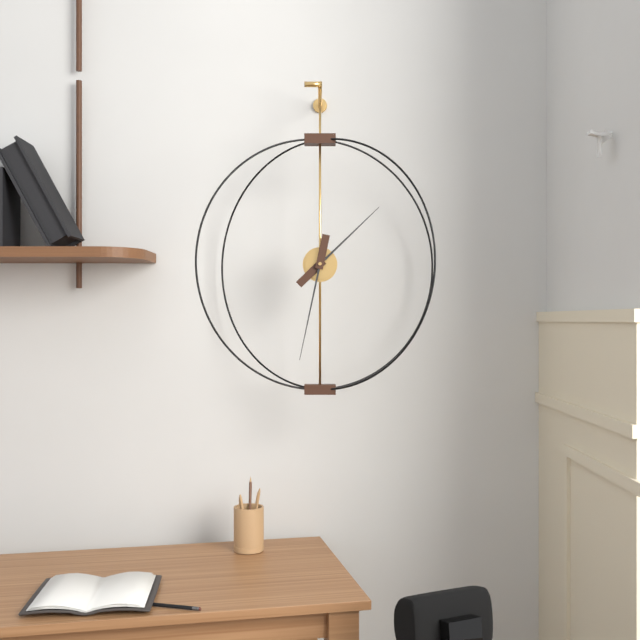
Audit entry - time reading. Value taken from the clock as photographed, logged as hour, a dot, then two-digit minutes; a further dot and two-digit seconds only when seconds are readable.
1.32
